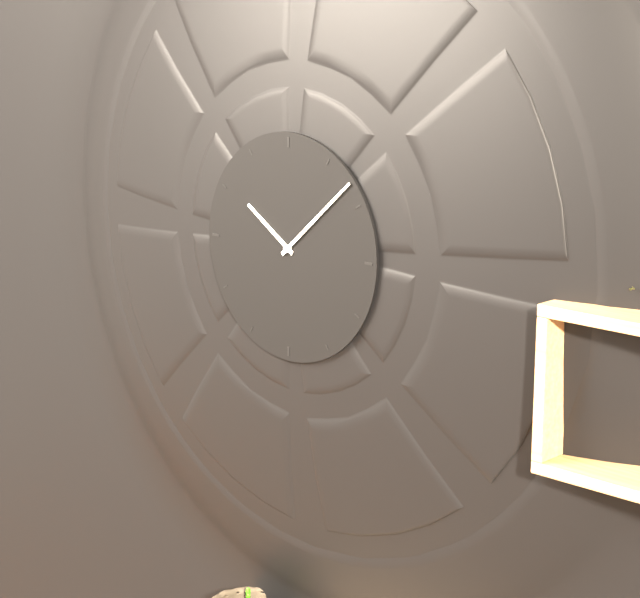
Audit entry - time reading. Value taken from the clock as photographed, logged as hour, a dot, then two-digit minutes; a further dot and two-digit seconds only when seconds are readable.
10.08
